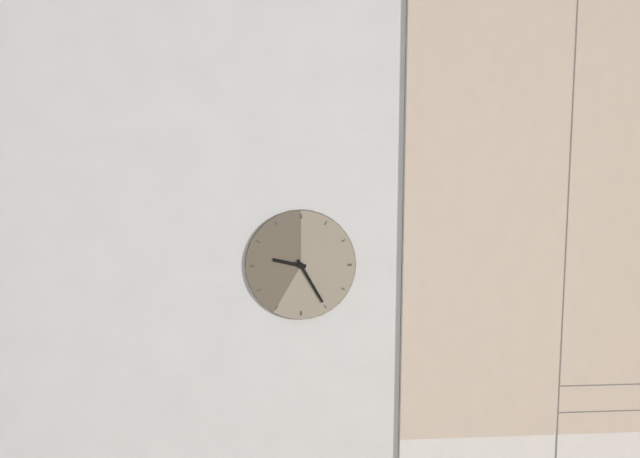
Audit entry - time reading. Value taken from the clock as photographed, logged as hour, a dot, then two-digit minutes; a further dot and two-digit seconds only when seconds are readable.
9.25
